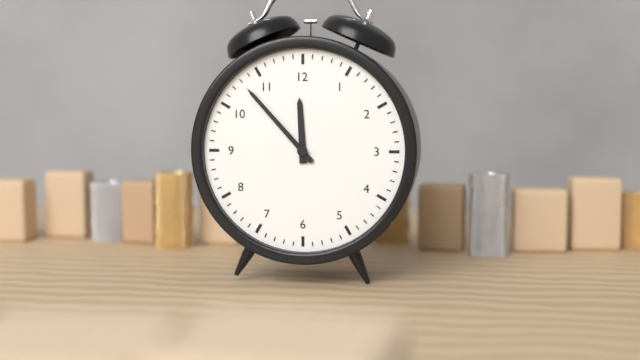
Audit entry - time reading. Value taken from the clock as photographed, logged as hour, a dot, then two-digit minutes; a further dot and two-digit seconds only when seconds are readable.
11.53
